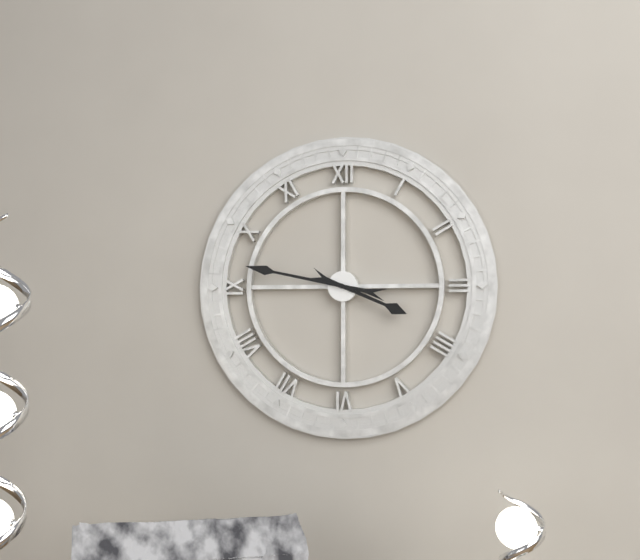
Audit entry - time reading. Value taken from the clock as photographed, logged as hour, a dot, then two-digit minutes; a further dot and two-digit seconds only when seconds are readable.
3.47
